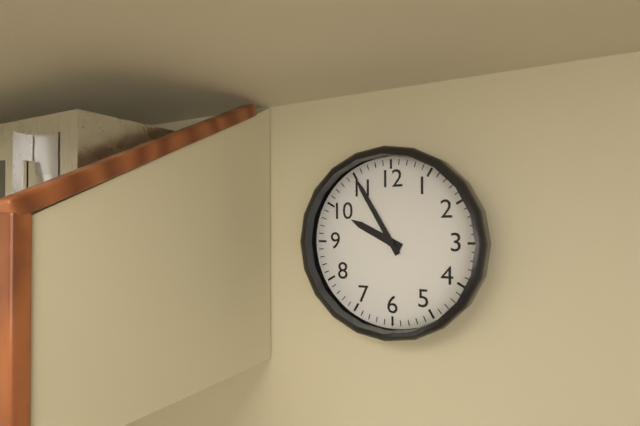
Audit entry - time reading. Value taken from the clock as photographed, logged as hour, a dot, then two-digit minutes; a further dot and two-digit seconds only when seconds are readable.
9.55
